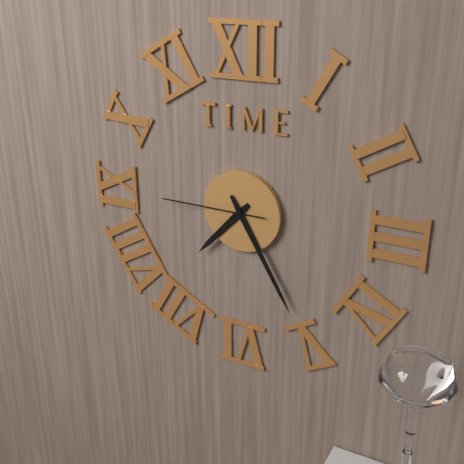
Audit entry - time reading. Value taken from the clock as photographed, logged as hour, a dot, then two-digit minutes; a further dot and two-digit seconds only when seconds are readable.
7.25.45
